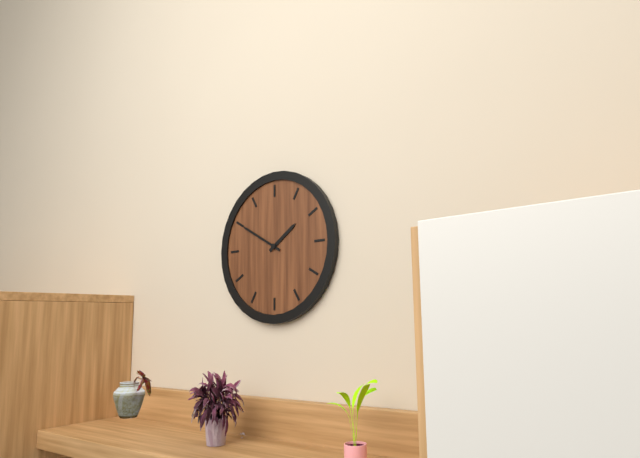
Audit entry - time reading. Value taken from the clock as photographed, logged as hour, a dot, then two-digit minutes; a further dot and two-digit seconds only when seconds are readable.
1.50
